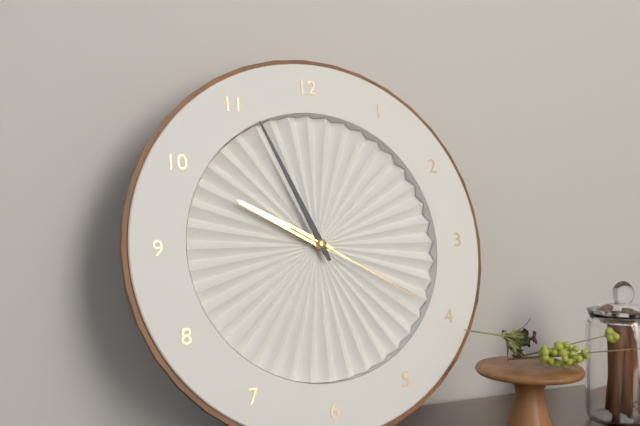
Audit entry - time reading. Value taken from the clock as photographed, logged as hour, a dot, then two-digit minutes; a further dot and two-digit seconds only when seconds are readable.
9.56.20
